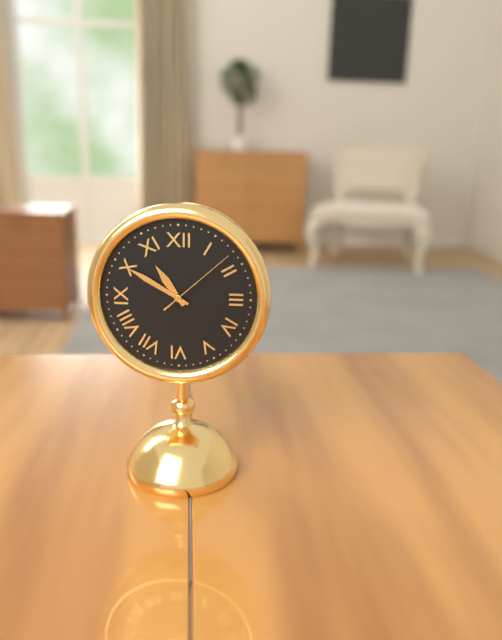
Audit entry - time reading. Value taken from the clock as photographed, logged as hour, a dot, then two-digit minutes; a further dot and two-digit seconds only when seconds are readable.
10.50.08
